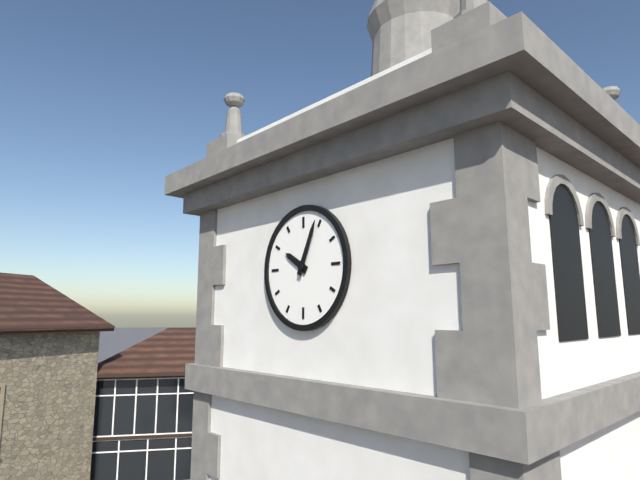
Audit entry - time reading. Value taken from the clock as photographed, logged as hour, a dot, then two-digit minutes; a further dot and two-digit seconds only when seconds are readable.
10.04
